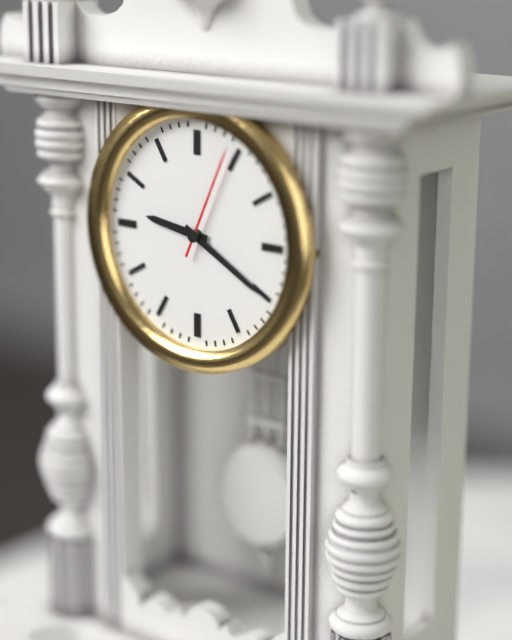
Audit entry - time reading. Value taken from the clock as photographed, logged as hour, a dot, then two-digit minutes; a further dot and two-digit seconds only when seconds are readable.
9.20.04
